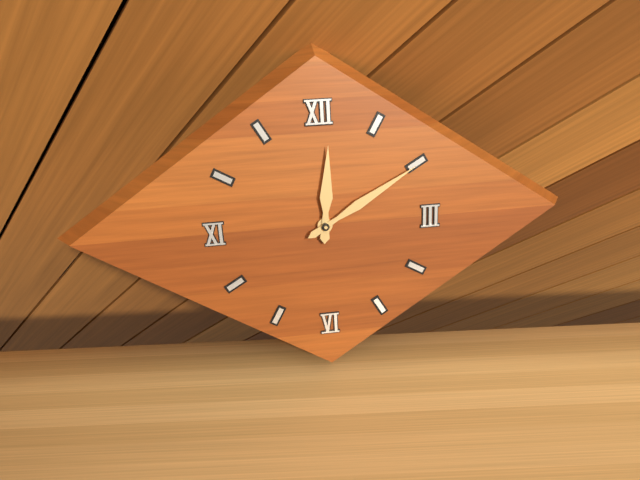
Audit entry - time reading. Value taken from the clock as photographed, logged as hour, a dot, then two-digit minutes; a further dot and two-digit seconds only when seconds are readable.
12.10
